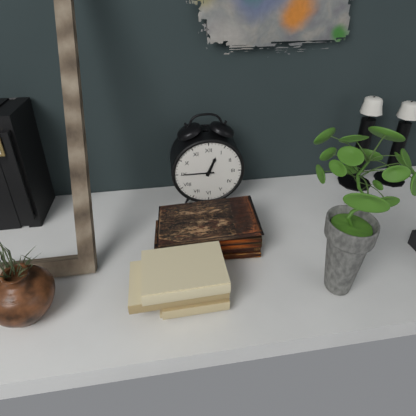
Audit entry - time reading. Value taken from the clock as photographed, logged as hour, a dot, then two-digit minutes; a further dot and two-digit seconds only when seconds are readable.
12.45
